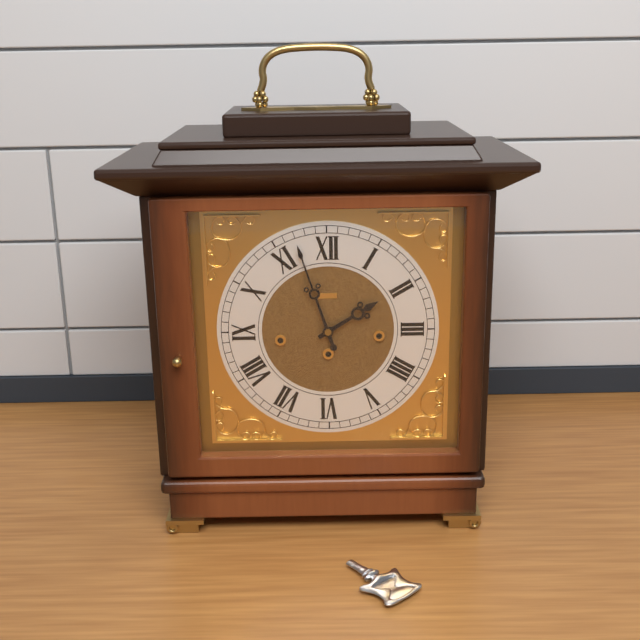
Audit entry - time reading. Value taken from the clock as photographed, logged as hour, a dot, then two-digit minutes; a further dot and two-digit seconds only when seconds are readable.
1.57
